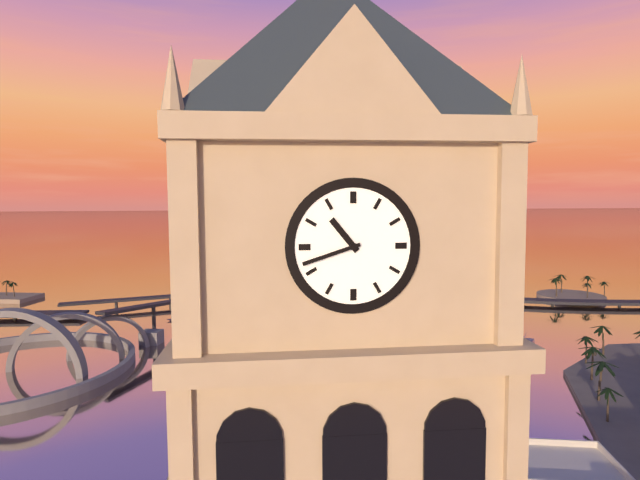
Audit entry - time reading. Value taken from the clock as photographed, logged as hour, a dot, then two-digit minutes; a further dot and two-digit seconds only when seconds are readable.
10.42
